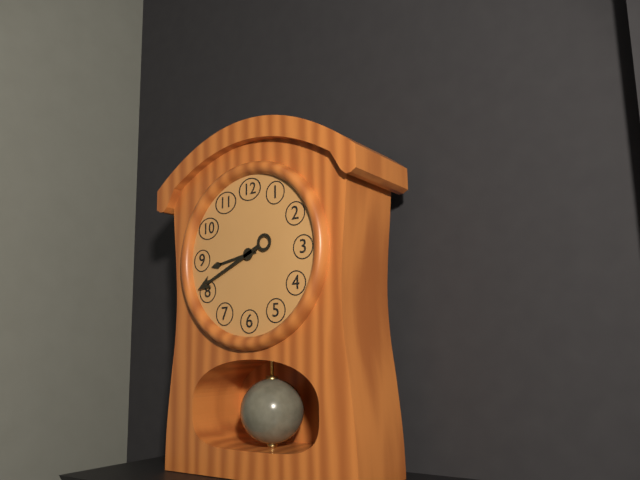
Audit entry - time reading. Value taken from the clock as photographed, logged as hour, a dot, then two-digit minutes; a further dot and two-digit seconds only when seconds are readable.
8.41
